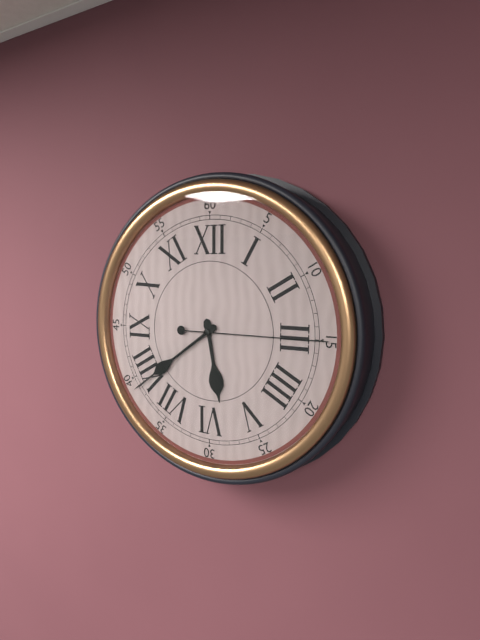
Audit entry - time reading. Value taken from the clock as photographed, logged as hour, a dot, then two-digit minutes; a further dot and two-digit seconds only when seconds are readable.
5.39.15
